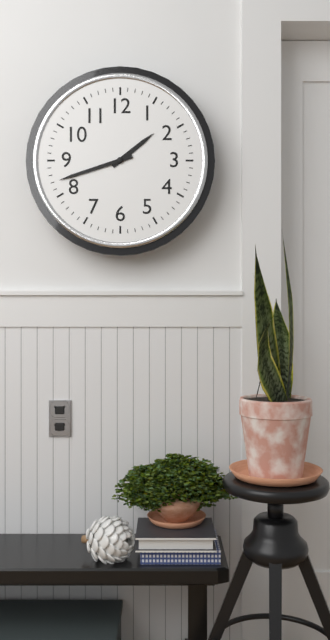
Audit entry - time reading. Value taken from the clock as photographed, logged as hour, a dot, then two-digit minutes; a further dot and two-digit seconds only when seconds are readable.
1.42
